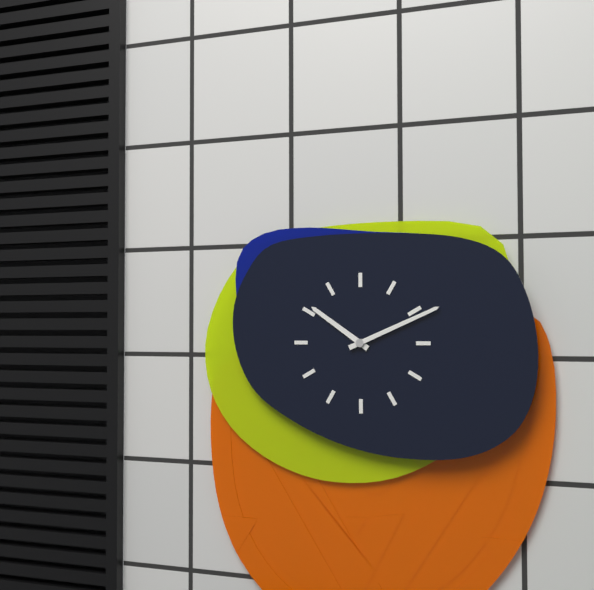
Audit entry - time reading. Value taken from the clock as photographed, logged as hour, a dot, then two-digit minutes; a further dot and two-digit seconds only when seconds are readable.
10.11
